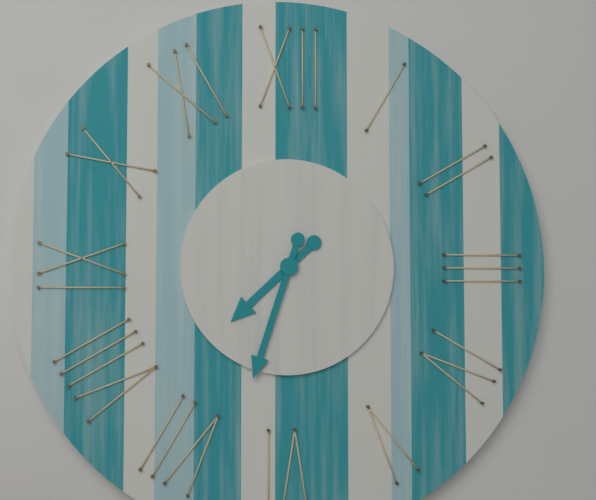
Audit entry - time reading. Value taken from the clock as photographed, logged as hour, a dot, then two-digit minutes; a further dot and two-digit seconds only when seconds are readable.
7.33
